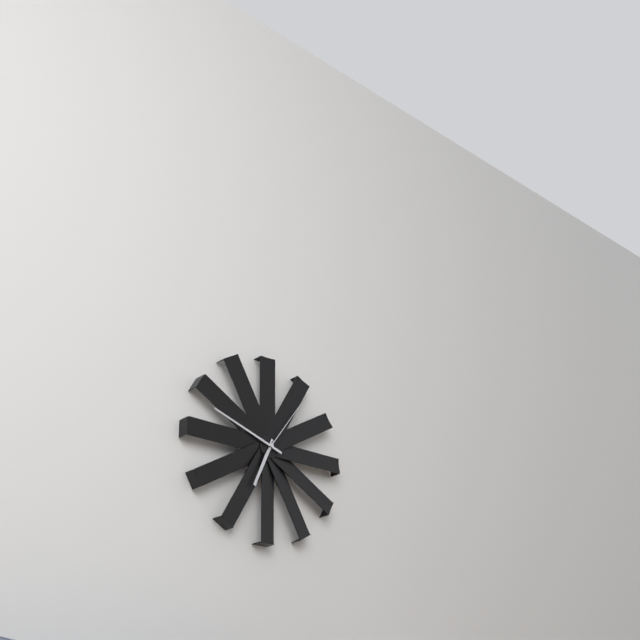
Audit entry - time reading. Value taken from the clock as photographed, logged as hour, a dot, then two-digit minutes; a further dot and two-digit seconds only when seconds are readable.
6.48.06
